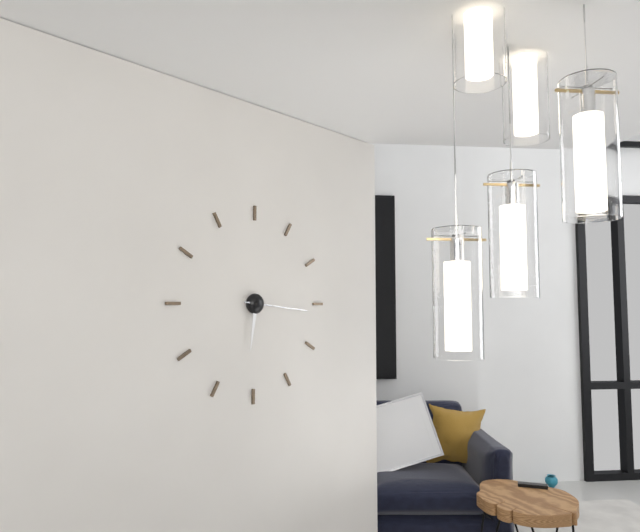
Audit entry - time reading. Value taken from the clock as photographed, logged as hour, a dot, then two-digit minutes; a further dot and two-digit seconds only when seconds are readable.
6.16
